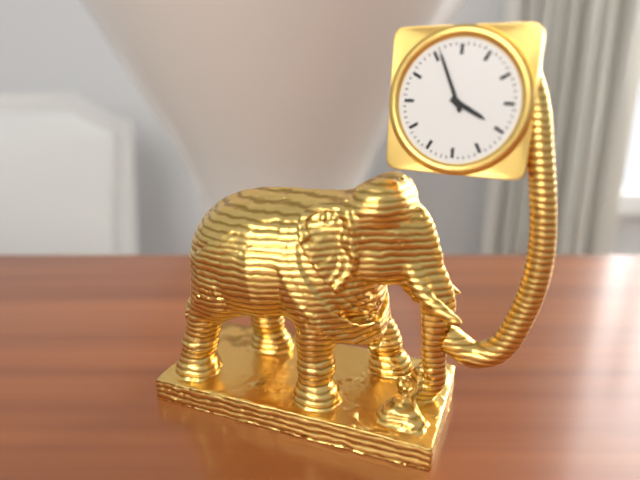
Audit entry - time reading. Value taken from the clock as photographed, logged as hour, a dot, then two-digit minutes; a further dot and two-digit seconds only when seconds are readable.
3.56
